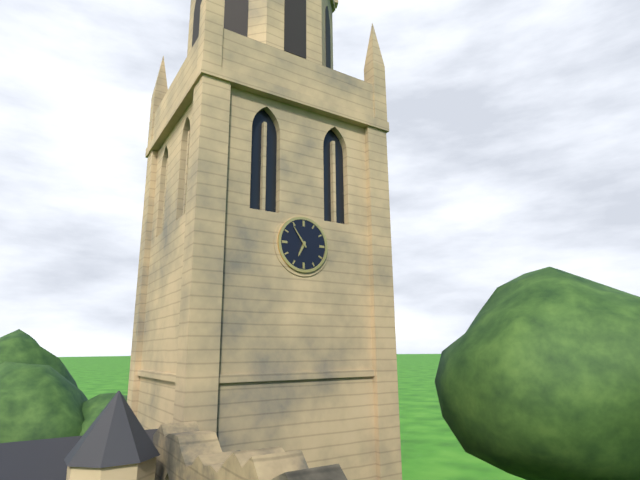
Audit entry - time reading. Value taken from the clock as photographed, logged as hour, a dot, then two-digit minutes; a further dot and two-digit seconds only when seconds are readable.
6.54
